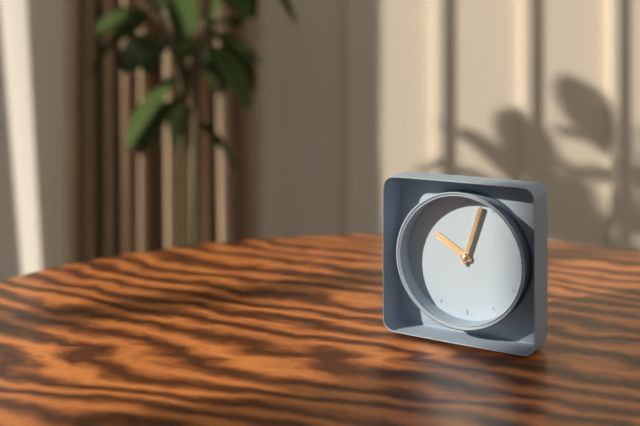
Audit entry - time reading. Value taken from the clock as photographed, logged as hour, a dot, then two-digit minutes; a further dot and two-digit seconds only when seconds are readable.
10.03
